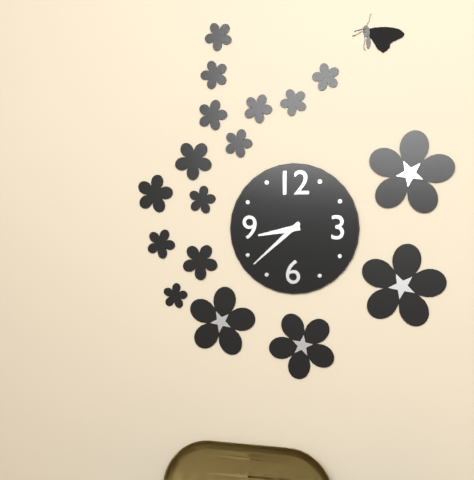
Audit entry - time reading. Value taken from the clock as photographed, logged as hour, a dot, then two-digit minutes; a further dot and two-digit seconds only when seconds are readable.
8.38
